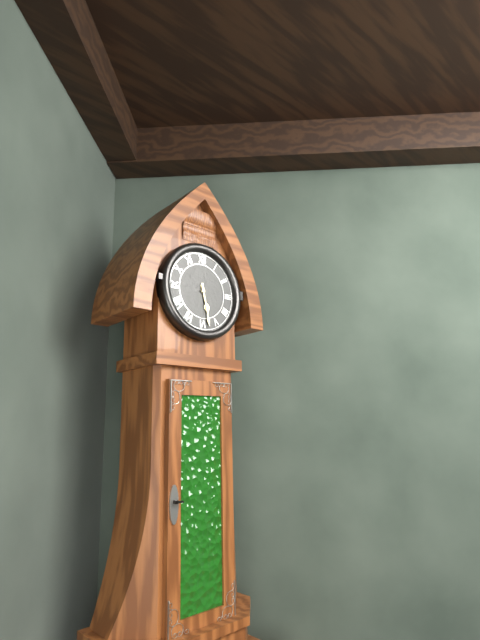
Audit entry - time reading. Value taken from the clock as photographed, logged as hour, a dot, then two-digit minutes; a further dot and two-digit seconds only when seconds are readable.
5.28
